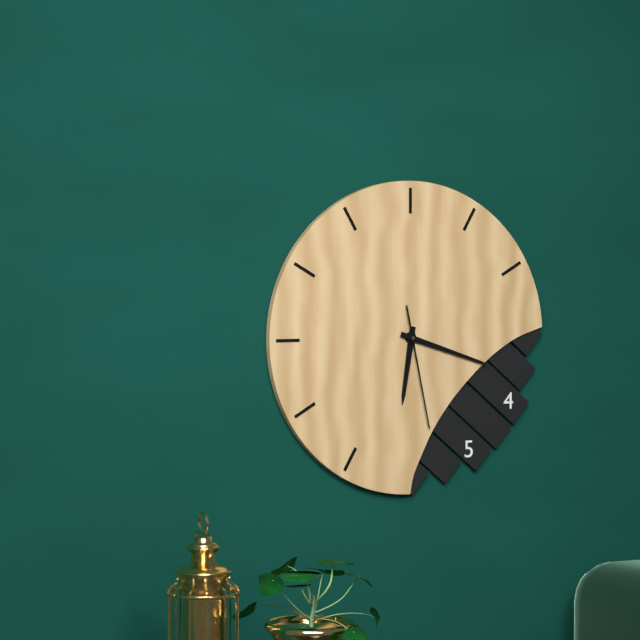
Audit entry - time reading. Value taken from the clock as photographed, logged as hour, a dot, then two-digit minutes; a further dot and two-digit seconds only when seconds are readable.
6.18.28
